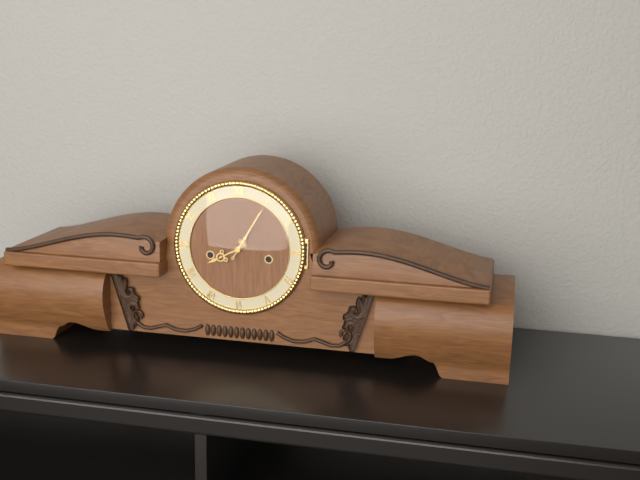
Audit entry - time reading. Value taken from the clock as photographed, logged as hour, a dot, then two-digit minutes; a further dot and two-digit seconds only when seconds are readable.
8.05
